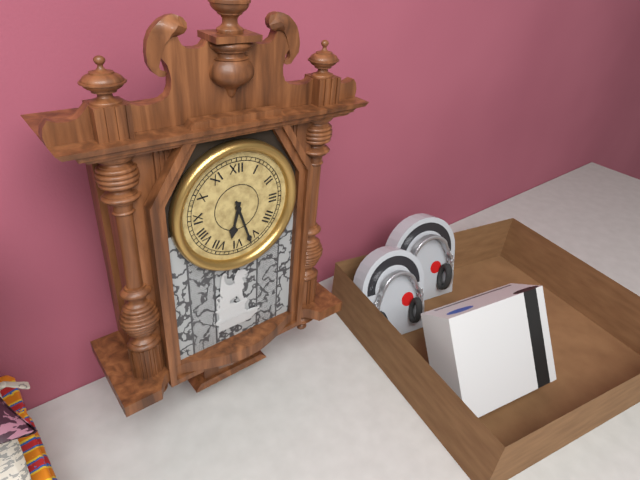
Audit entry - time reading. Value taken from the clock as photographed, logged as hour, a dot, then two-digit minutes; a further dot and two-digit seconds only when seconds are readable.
6.27
